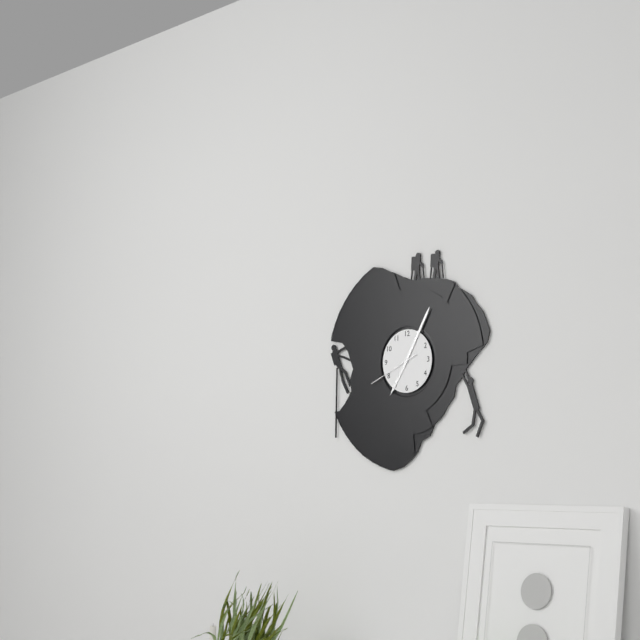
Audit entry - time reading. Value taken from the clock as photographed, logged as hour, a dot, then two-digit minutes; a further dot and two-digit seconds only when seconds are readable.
7.05.41
